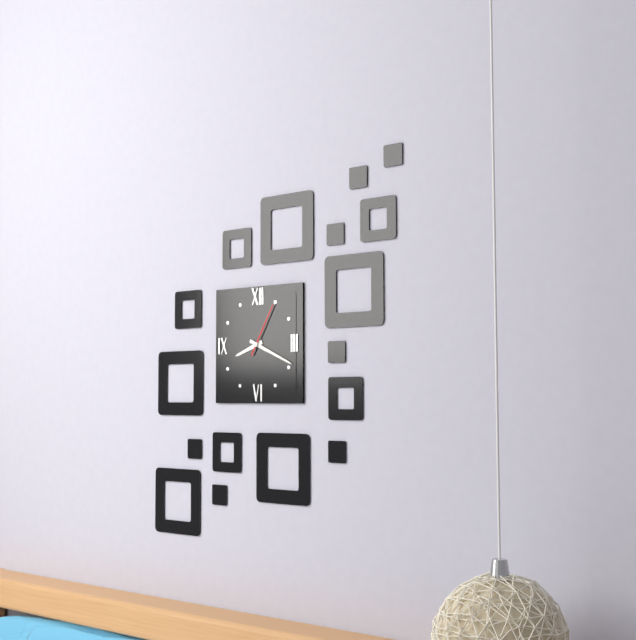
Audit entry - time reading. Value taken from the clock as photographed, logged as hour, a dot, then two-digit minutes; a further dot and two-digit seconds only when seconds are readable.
8.19.05
